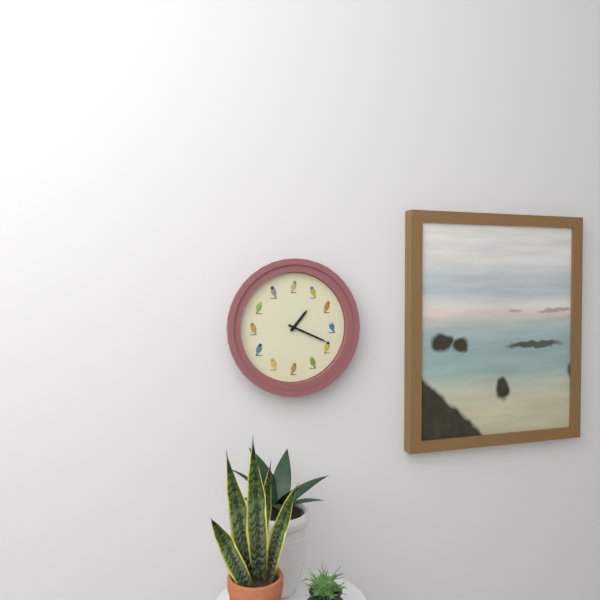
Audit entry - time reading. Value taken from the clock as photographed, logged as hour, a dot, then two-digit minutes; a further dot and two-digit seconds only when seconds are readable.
1.19
